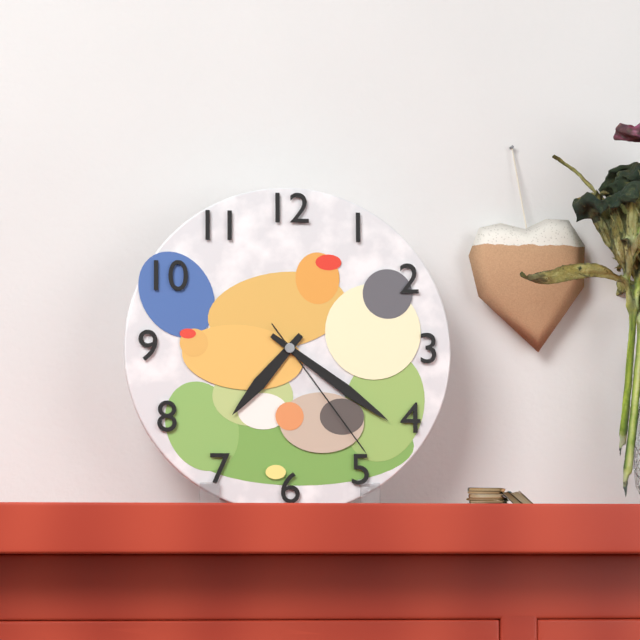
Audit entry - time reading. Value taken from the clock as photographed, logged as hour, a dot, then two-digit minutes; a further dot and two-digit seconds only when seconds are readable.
7.21.24
